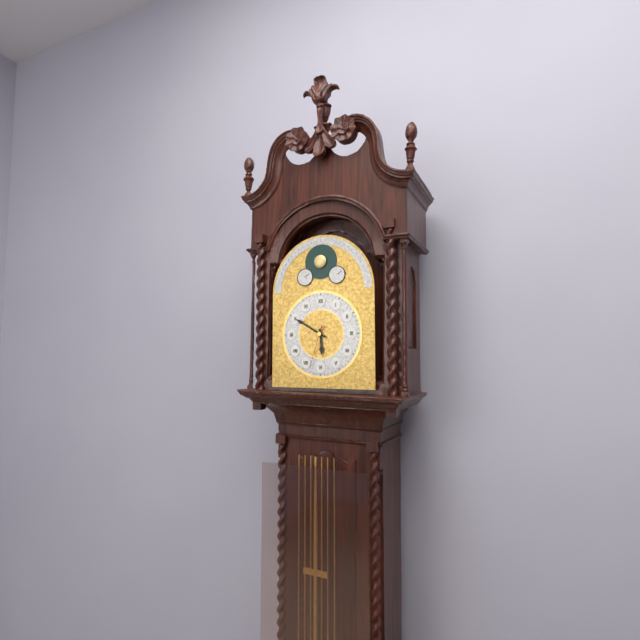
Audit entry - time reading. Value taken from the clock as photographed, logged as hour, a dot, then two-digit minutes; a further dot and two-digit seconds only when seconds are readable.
5.50
